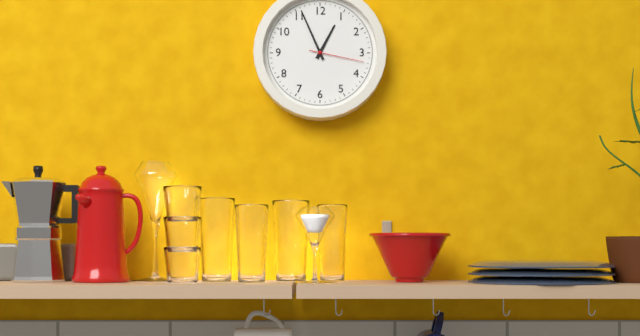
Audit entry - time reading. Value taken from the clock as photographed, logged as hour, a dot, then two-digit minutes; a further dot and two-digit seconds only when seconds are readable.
12.56.17
